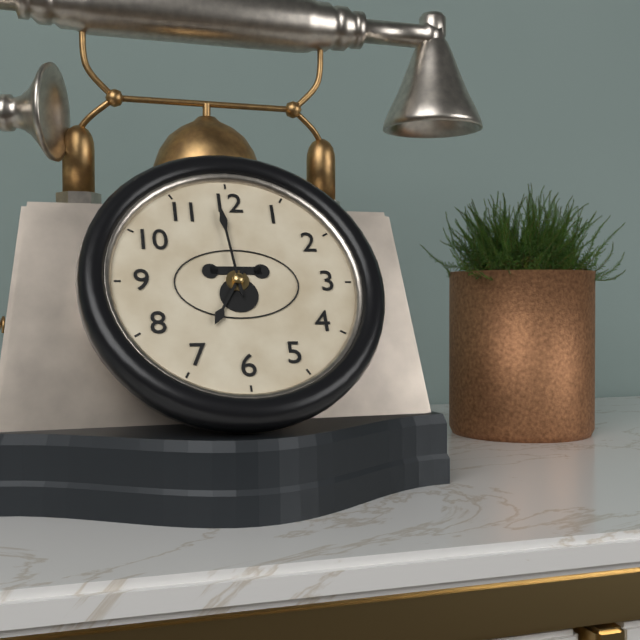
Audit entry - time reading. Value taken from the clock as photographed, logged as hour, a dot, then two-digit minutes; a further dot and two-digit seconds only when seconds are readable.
6.59
